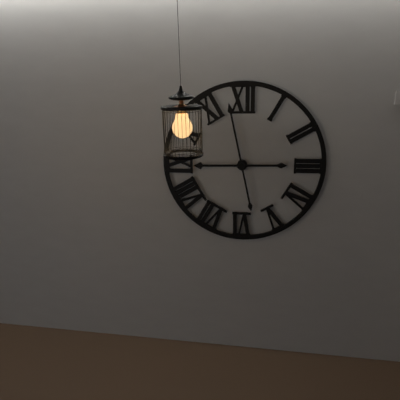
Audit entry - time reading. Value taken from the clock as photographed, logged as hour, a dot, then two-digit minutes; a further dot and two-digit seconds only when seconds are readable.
8.58
